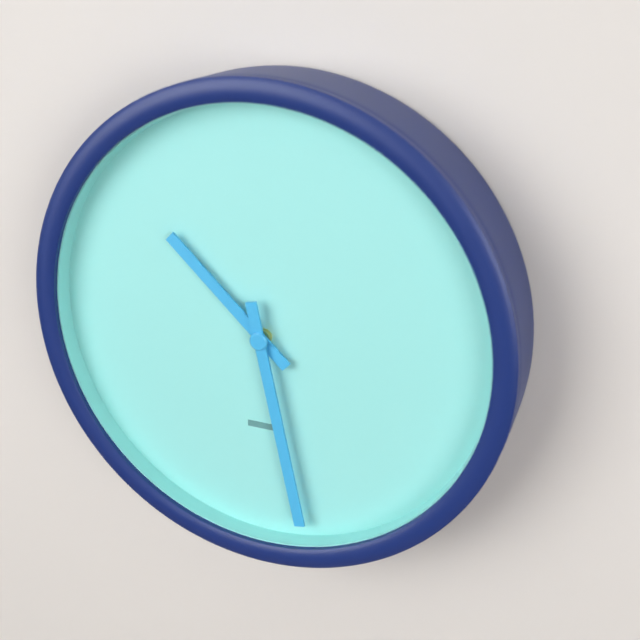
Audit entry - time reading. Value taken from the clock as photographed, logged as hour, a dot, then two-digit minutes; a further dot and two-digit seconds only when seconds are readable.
10.28
